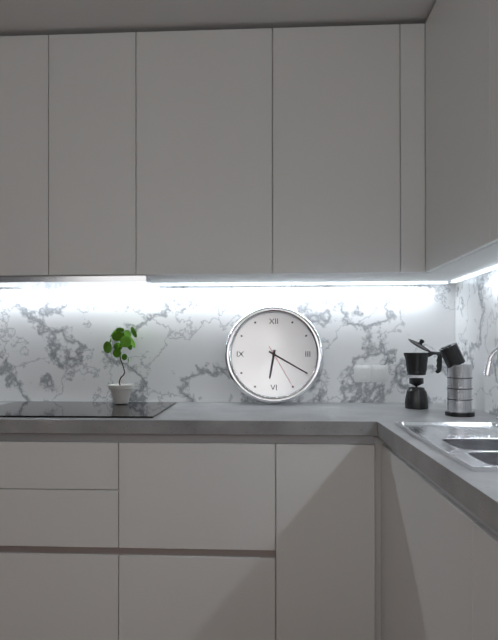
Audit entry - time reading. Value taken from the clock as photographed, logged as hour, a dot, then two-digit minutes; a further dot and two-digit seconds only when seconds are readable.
6.20
